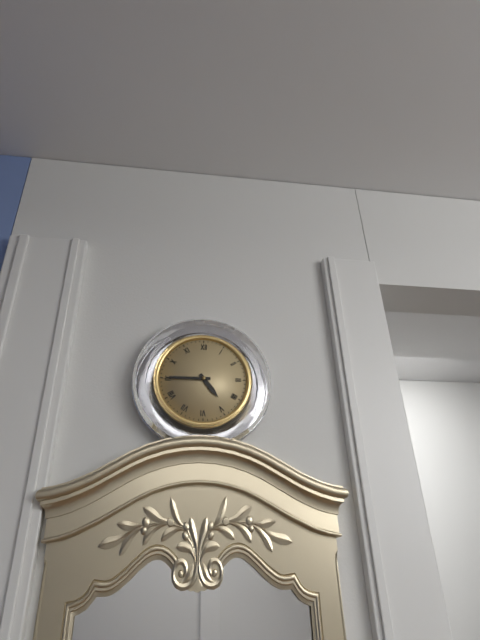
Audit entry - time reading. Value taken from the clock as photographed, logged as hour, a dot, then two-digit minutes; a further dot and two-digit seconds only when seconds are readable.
4.45
